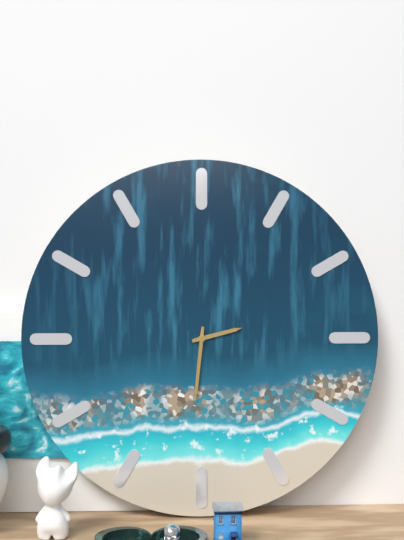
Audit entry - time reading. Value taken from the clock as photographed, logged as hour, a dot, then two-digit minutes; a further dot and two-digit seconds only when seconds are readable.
2.31
